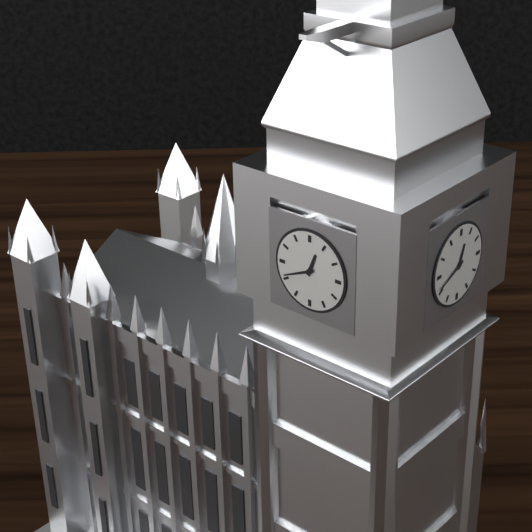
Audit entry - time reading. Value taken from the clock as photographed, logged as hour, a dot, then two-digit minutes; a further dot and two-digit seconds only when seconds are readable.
12.41
